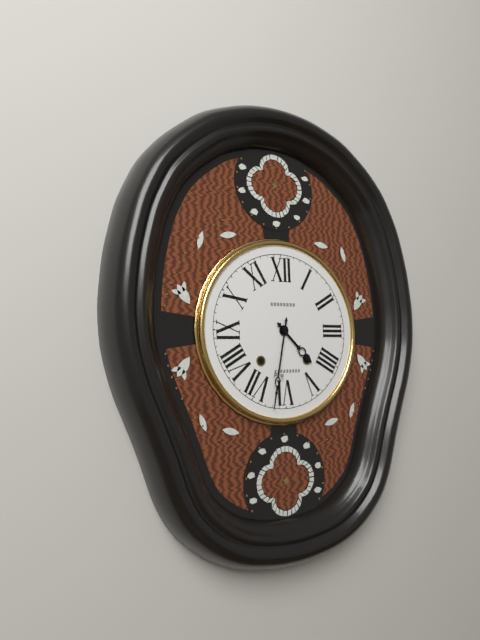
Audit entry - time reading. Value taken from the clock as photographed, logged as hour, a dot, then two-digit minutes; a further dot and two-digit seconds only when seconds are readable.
4.32
